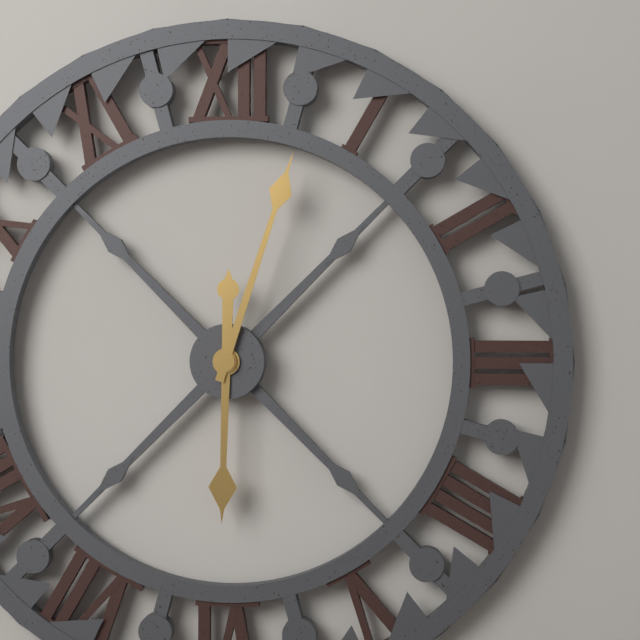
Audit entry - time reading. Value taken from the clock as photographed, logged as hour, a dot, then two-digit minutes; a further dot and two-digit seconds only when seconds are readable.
6.03
